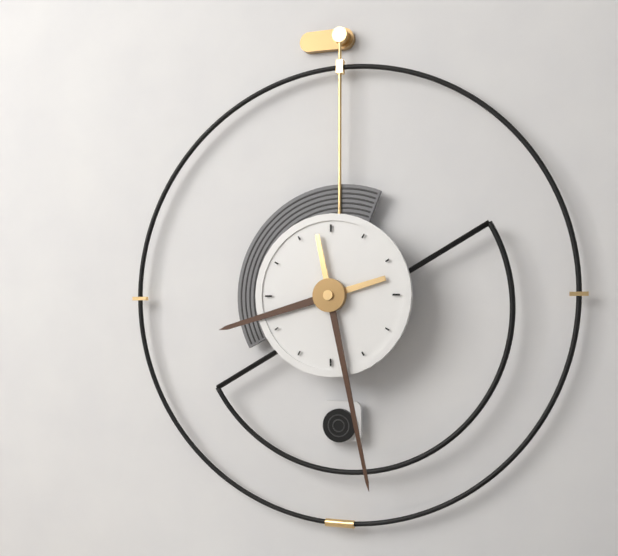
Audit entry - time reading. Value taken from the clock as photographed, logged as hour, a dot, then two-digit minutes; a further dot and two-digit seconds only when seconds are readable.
8.28
